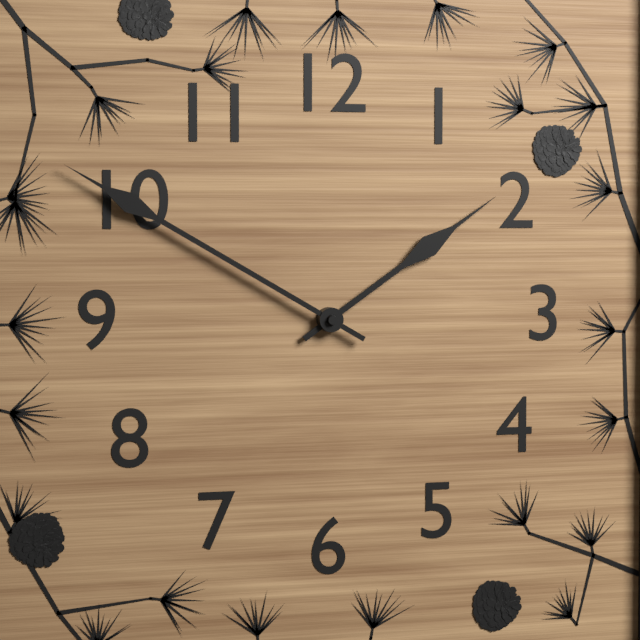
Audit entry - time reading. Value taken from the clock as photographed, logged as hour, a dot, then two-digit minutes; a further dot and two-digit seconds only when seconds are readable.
1.50
